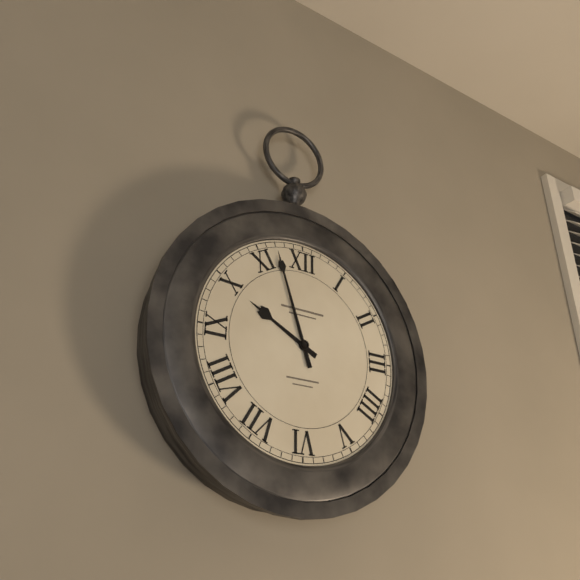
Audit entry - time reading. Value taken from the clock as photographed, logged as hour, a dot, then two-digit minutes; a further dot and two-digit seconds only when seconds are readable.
9.57
